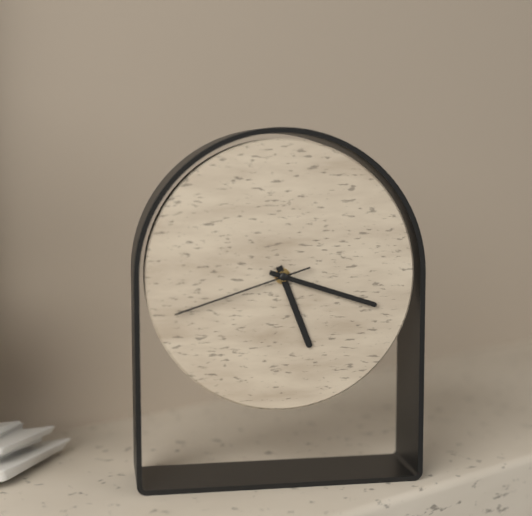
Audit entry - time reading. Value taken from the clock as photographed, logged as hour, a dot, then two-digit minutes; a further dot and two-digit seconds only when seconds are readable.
5.18.42
